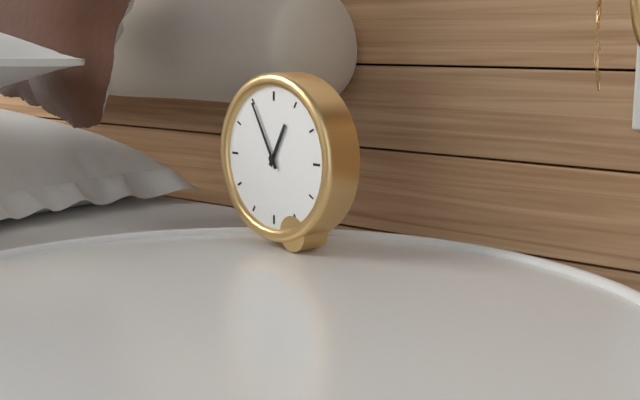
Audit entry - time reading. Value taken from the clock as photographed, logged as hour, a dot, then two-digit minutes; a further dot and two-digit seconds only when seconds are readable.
12.55
